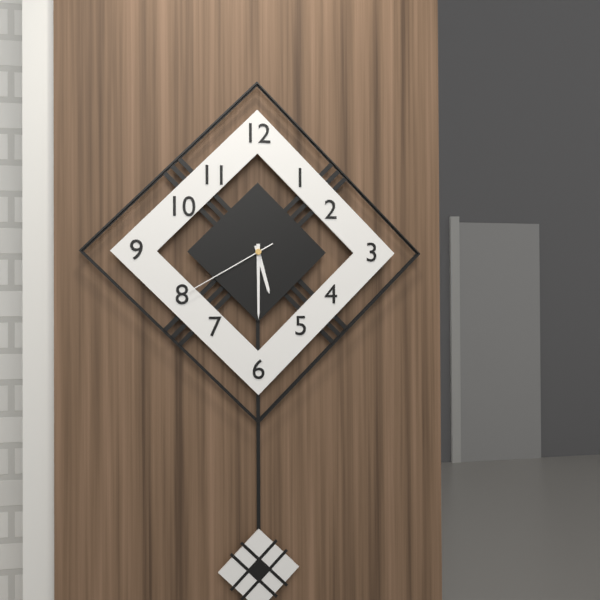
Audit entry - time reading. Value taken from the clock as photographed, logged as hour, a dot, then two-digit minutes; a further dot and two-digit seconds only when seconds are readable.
5.30.40
